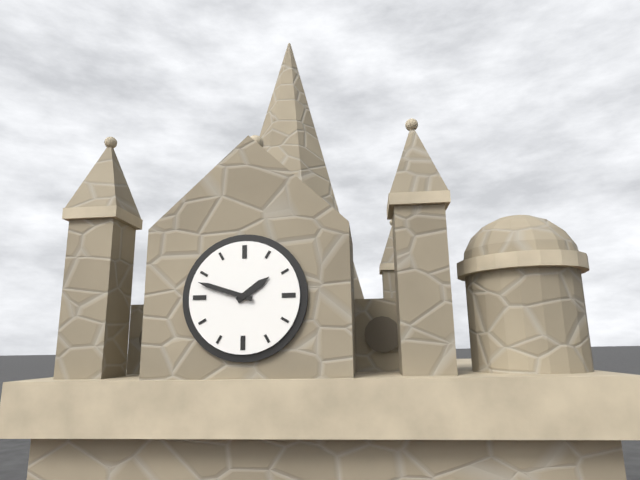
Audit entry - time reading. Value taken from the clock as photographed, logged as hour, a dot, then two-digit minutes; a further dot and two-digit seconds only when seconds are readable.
1.48
